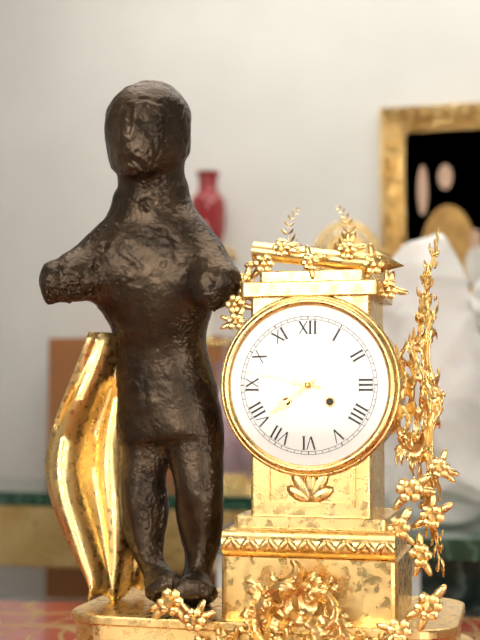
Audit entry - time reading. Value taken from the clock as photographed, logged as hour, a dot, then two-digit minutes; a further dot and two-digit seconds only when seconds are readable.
7.47
